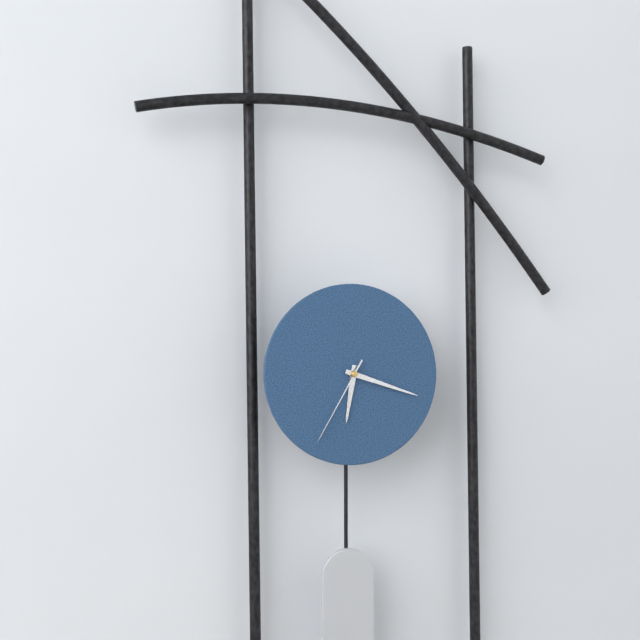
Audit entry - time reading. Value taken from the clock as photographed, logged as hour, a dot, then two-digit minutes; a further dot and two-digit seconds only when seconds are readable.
6.18.35
